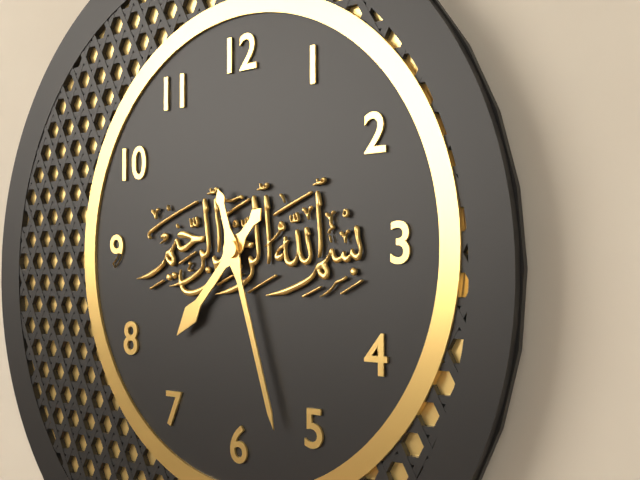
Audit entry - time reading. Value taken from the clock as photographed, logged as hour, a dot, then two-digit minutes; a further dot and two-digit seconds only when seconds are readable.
7.27
